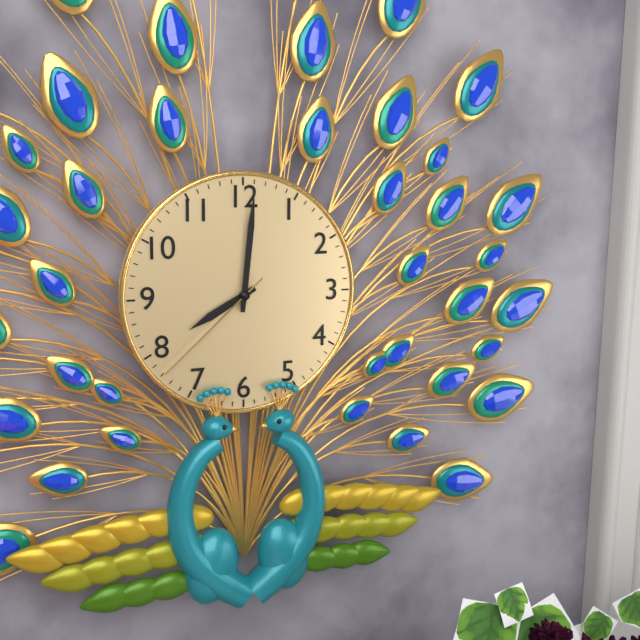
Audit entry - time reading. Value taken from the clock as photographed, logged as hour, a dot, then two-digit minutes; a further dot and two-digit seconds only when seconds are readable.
8.01.38
